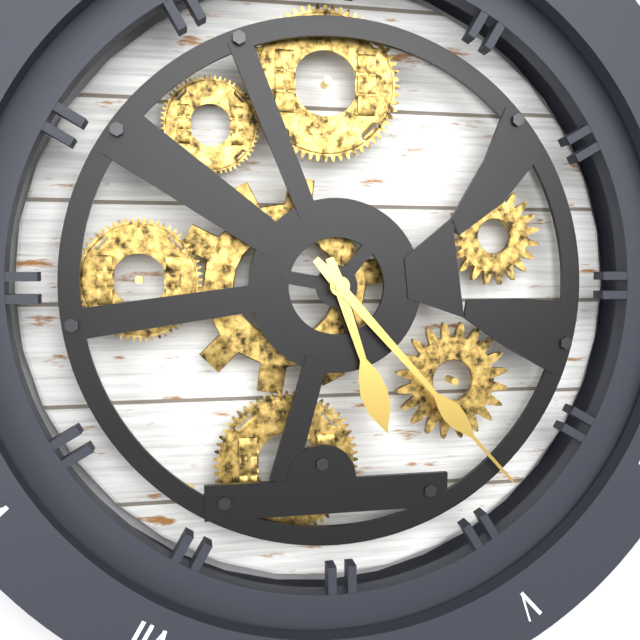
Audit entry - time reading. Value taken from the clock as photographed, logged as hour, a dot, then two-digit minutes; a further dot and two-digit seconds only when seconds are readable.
5.23
